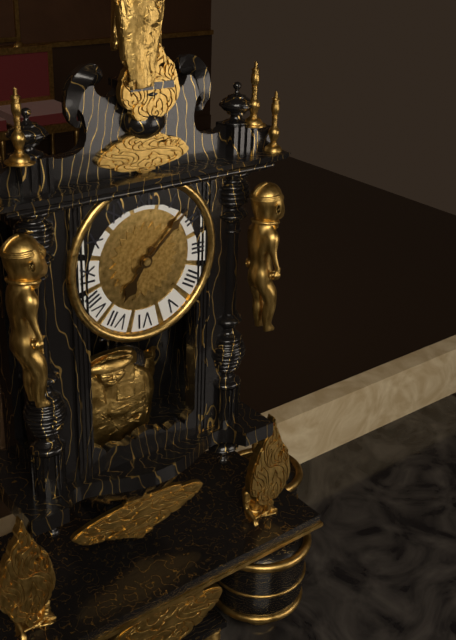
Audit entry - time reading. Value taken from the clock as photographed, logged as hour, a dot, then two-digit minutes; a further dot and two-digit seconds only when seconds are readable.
7.08
